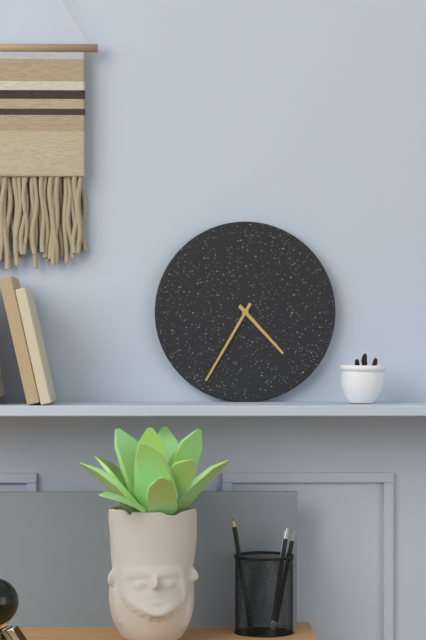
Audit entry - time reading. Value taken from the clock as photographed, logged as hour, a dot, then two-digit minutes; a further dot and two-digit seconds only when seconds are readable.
4.35
